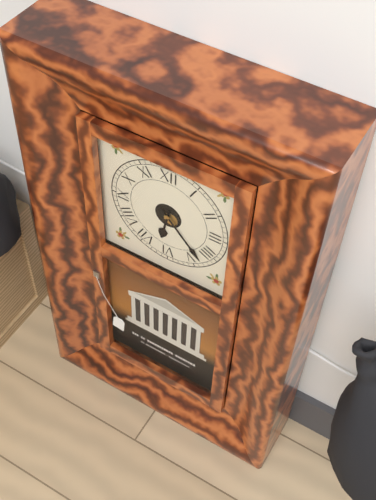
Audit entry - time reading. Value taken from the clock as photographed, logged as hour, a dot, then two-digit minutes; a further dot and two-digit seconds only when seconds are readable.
6.23
